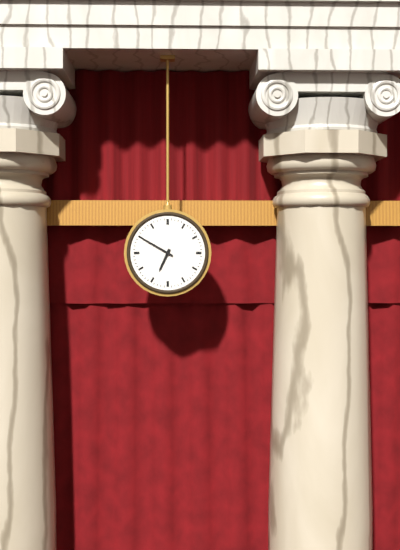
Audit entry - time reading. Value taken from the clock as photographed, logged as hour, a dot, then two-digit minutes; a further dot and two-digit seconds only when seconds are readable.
6.50
